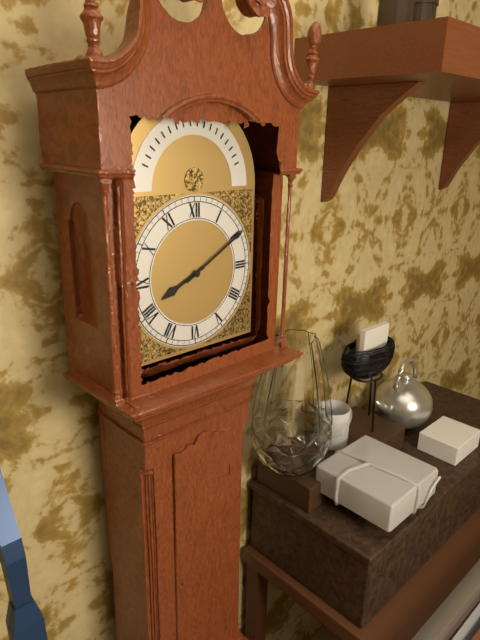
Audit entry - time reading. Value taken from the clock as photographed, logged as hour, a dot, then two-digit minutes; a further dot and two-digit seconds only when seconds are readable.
8.10
